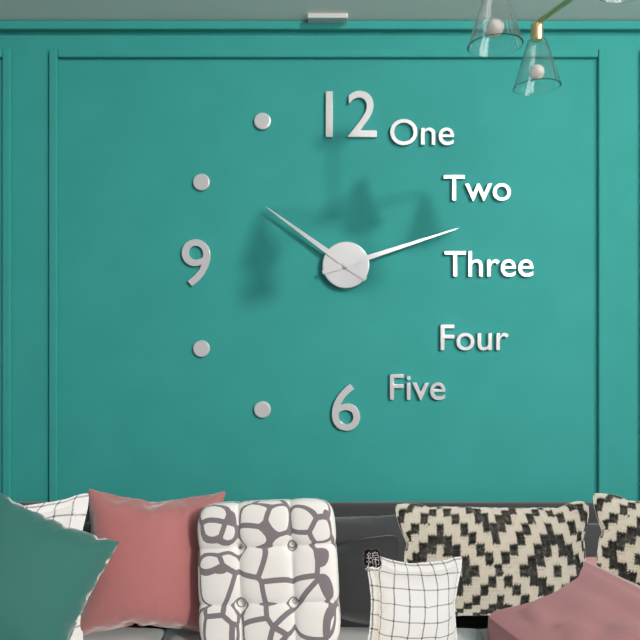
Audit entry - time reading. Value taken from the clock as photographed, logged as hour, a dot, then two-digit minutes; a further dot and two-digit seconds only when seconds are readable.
10.12
